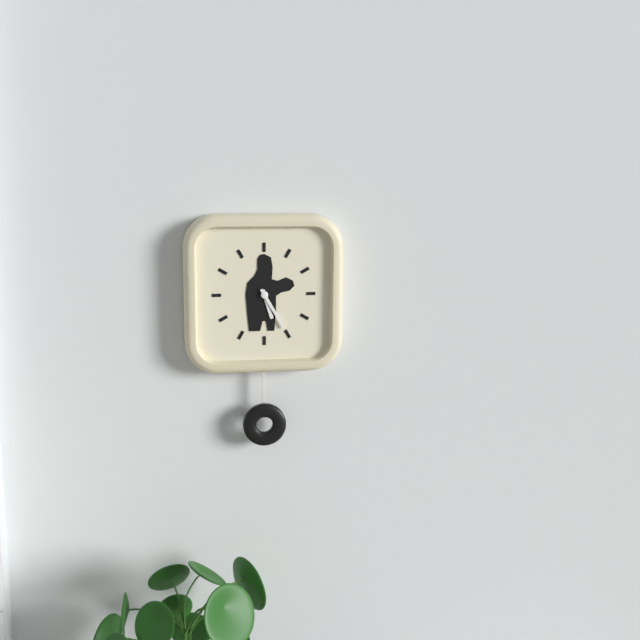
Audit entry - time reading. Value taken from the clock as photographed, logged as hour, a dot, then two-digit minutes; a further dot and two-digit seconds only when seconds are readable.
5.25
